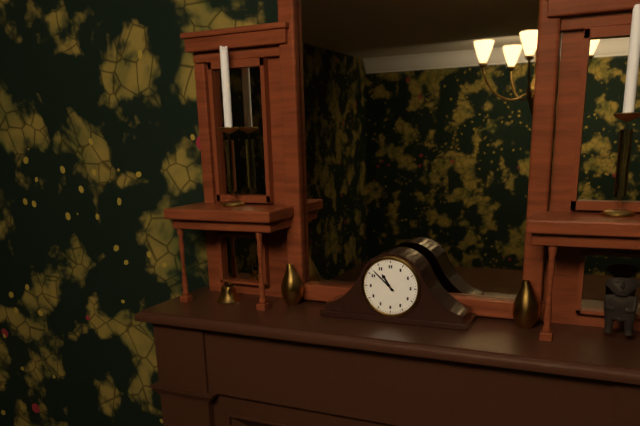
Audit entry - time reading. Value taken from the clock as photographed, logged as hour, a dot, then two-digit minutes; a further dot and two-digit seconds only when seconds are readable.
10.52
